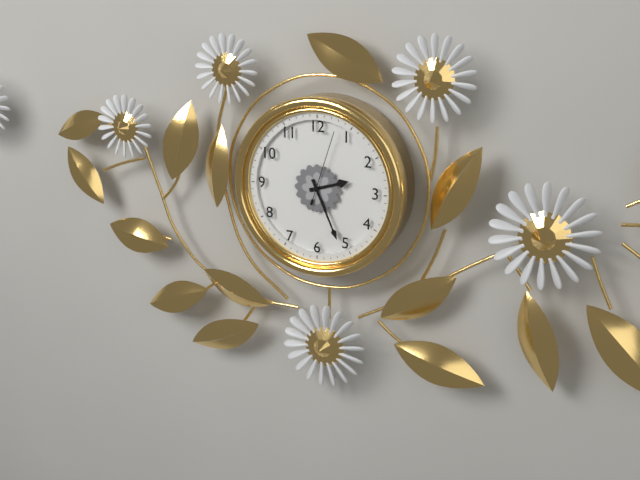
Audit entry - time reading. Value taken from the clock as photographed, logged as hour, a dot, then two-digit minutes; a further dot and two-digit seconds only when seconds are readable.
2.26.03
